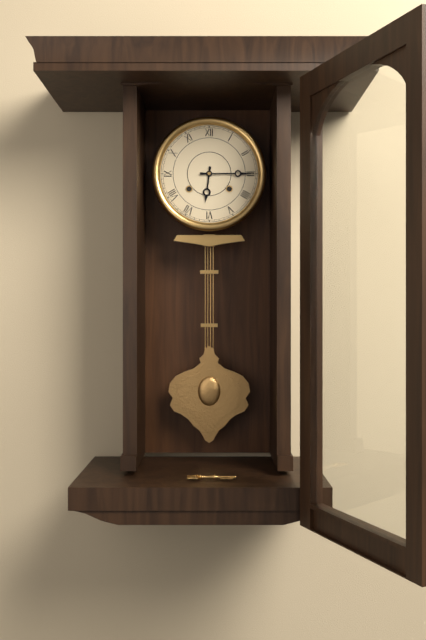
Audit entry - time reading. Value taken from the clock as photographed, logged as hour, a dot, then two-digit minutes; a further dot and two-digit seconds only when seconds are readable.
6.15
